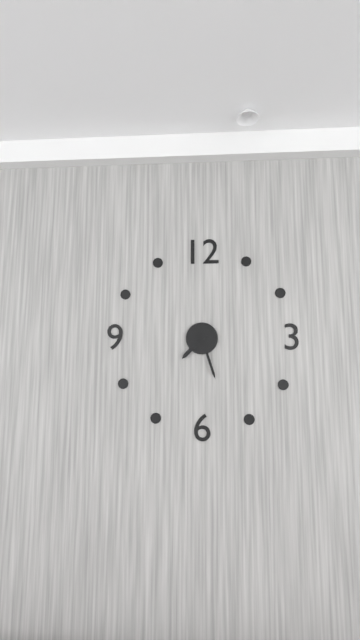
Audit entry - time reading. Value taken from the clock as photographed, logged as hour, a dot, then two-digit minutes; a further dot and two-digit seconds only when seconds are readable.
7.27
